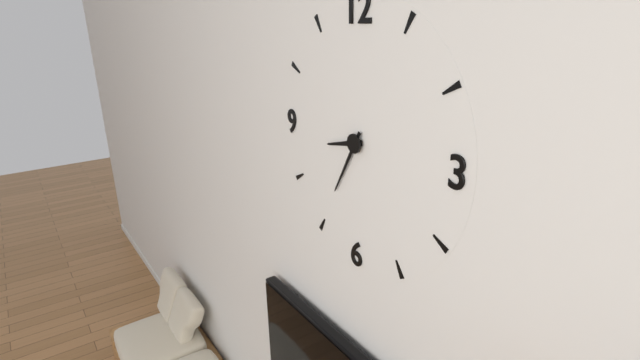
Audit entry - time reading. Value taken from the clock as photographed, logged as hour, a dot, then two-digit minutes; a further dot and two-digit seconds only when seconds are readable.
8.35
